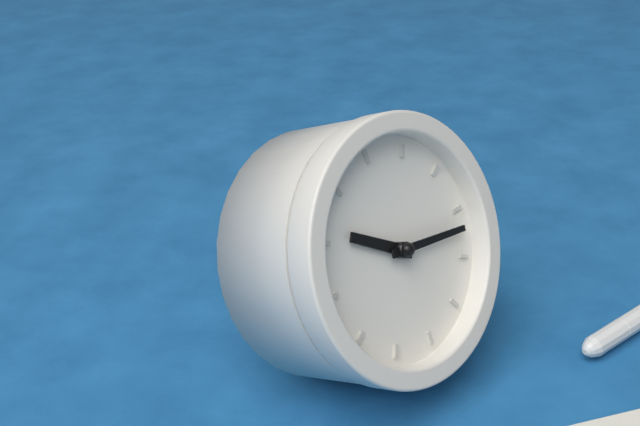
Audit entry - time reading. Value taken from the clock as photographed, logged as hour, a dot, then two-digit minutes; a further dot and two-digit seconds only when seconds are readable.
9.12
